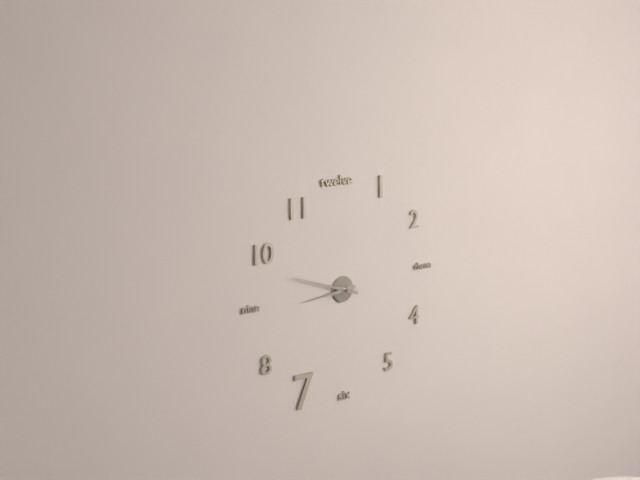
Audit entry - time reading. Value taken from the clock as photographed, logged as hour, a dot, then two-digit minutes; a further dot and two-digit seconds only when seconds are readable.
8.48
